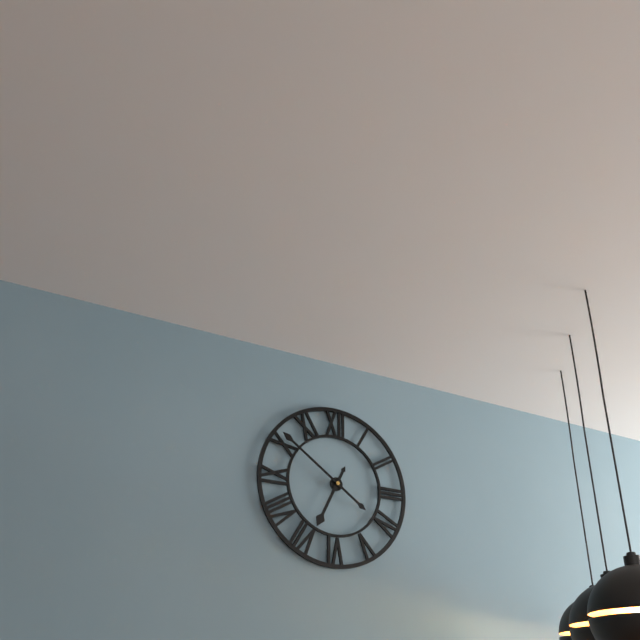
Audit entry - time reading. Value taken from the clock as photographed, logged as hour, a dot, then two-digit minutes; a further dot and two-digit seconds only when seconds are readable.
6.51
